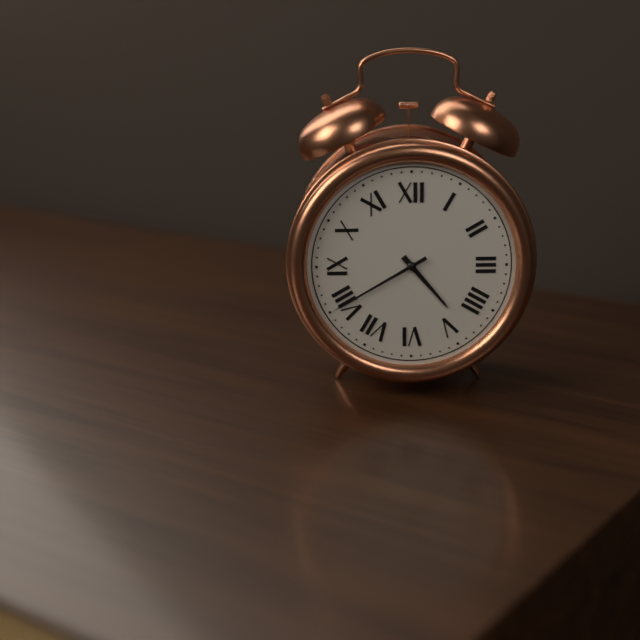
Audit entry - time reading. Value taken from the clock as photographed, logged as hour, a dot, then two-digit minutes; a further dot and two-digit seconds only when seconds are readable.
4.40
